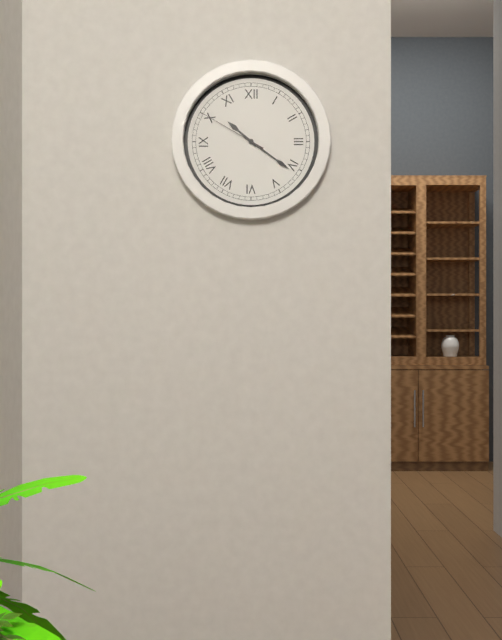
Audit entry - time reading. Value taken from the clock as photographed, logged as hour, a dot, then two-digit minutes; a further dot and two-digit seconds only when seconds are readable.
10.21.50
